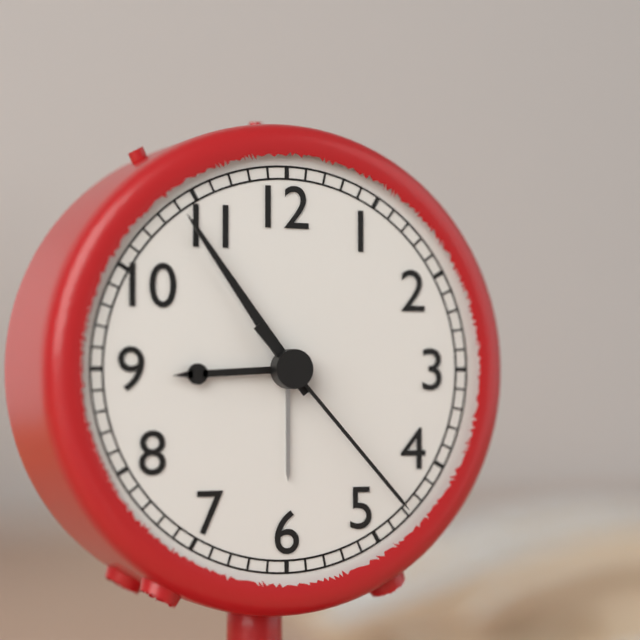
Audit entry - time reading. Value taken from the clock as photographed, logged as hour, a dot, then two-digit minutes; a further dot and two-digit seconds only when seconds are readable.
8.54.23
